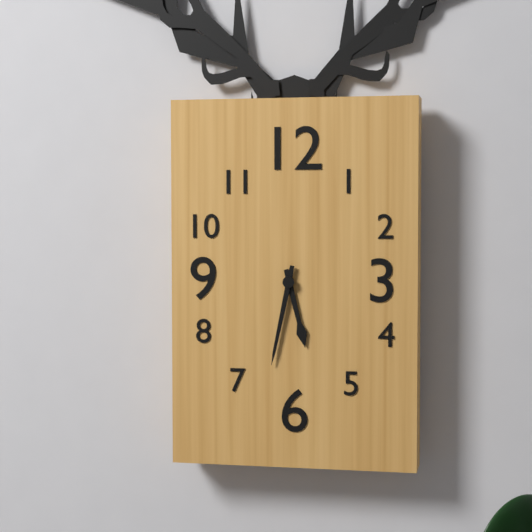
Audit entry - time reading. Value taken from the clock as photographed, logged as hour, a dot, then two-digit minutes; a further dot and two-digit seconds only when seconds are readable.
5.32
